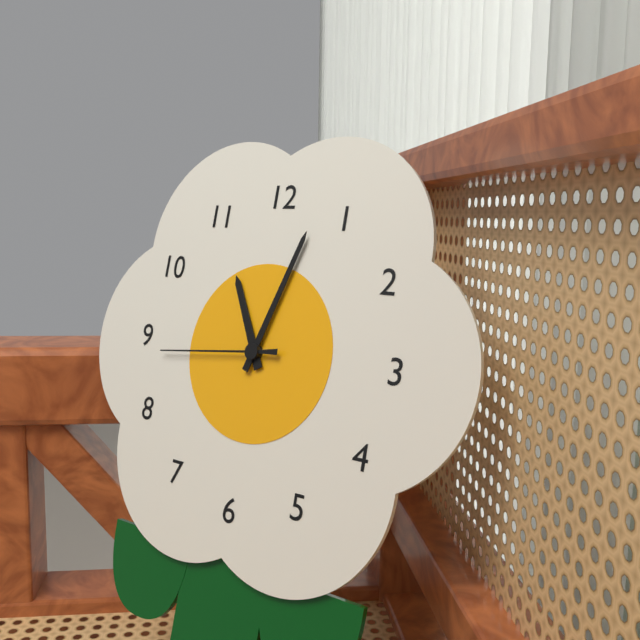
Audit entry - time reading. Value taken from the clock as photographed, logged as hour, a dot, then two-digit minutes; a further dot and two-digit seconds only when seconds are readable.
11.03.44
